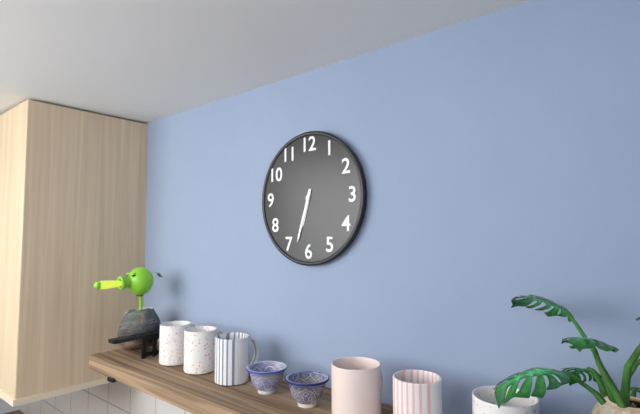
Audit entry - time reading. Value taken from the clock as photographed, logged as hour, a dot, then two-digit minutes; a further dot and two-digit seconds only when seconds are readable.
6.33
